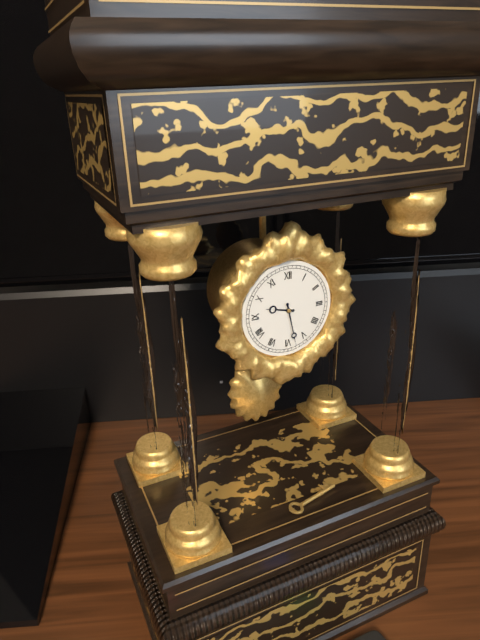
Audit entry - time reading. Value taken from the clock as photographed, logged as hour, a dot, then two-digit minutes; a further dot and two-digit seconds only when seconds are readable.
9.28
